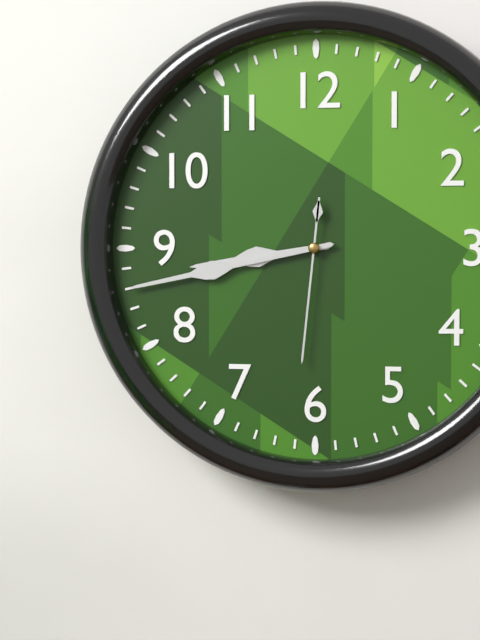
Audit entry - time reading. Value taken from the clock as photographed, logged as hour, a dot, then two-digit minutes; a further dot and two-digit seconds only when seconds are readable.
8.43.31
